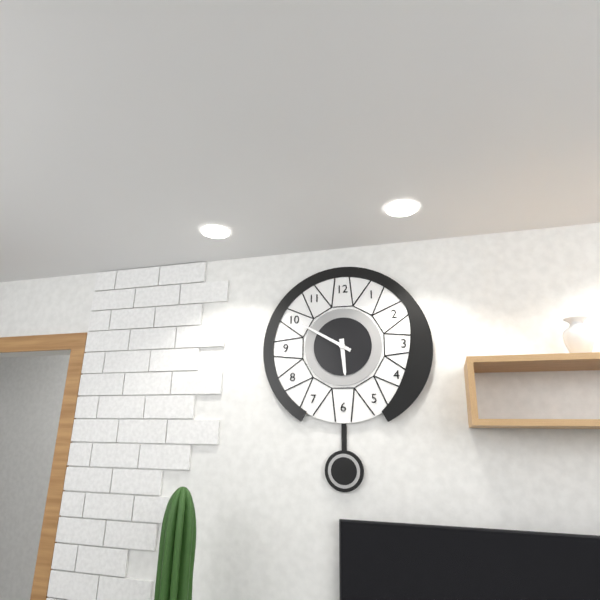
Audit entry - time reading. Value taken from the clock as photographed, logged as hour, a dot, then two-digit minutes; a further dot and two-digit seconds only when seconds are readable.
5.50
